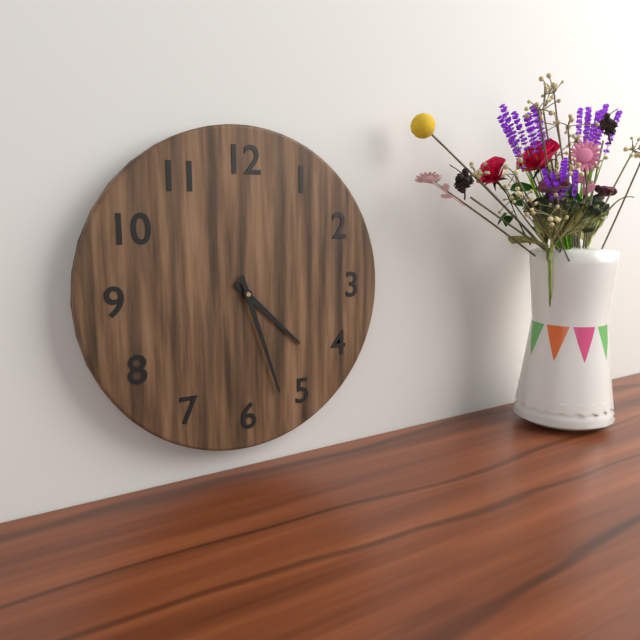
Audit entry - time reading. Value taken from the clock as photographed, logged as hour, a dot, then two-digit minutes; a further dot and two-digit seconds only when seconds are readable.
4.27
